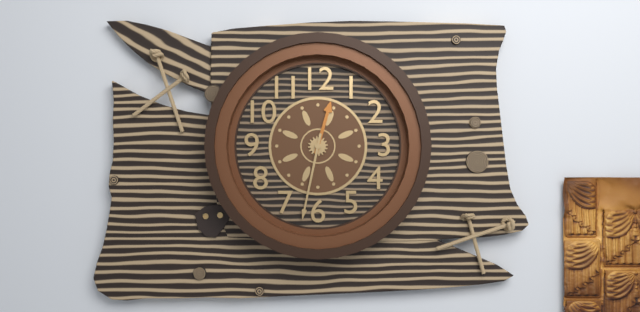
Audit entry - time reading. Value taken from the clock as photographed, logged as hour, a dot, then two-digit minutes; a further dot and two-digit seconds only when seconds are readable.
12.32
